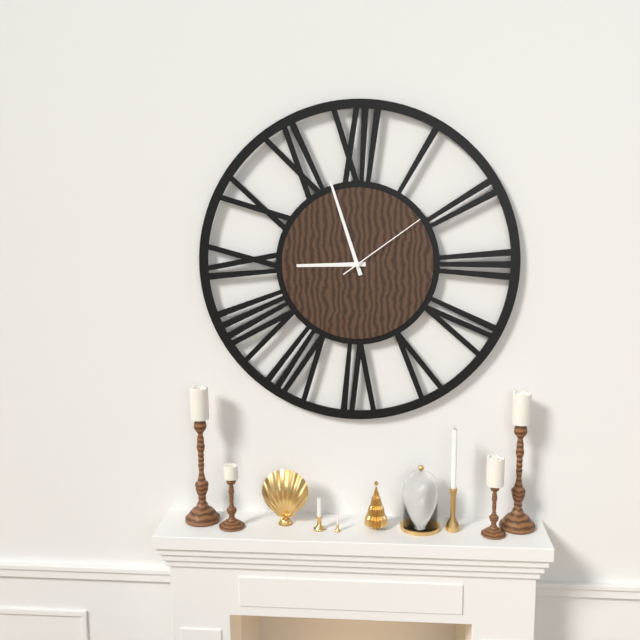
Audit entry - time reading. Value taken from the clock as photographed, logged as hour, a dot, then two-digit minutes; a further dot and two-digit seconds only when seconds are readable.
8.57.09
